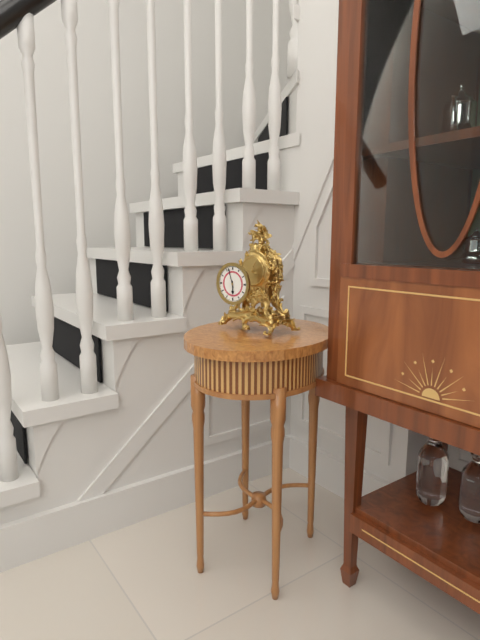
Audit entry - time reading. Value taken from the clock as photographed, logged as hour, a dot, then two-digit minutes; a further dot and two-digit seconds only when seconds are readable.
5.57
